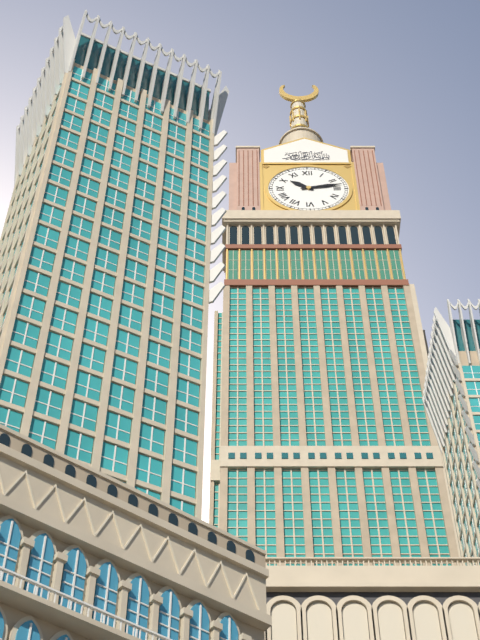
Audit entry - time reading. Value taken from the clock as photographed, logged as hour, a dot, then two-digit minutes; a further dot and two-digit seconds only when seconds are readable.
10.13
